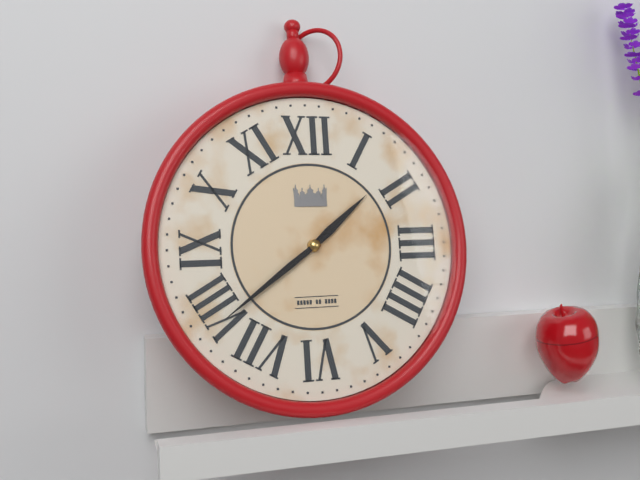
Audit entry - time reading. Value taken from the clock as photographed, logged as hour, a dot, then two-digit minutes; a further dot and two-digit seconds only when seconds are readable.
1.39
